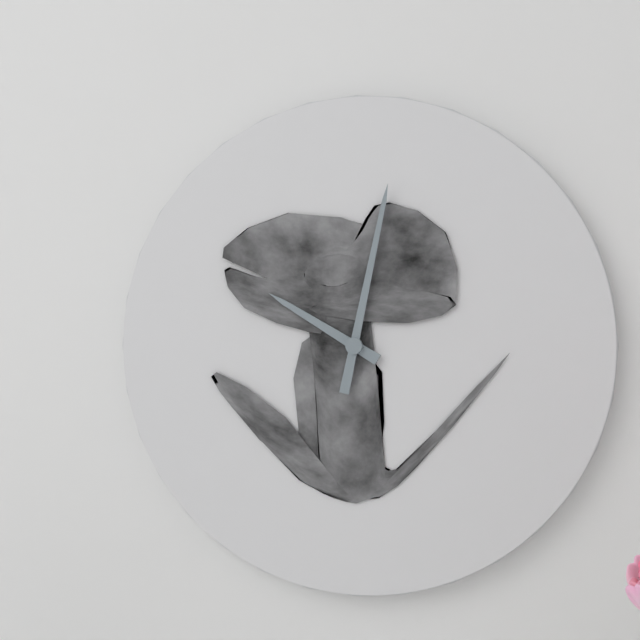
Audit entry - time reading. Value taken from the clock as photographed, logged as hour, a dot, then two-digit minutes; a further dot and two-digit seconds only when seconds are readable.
10.02
